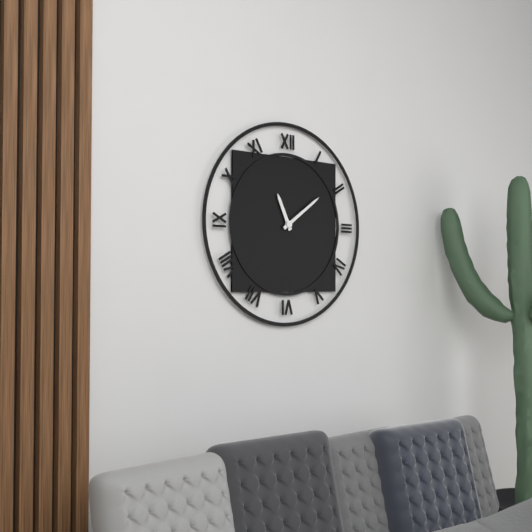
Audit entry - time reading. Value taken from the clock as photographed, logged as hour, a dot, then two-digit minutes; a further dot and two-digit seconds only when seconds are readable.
11.09
